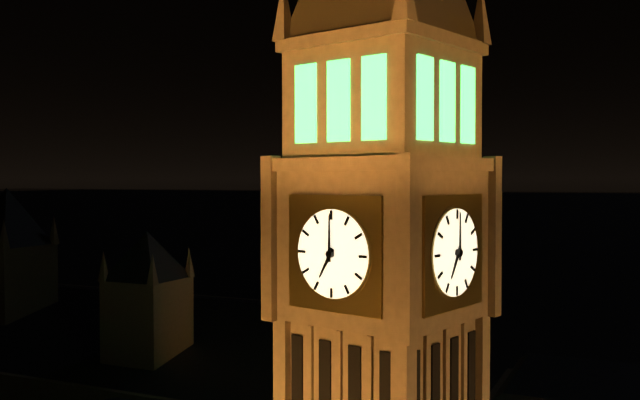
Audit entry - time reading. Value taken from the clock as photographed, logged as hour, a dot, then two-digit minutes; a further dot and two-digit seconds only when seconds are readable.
7.00
